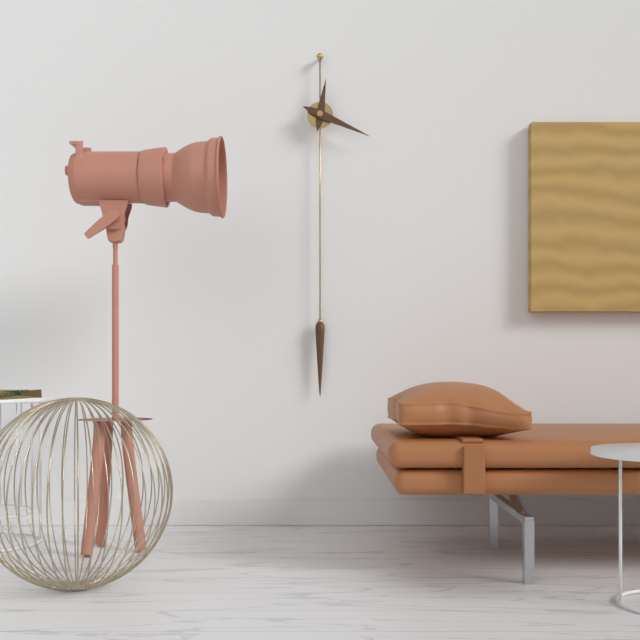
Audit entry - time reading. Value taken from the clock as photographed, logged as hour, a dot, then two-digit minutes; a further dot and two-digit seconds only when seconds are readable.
12.19
